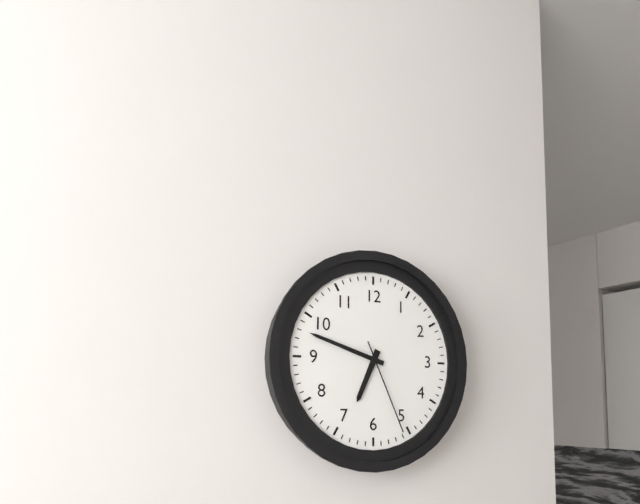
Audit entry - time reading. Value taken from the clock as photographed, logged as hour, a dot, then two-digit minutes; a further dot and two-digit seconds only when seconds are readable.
6.48.26
